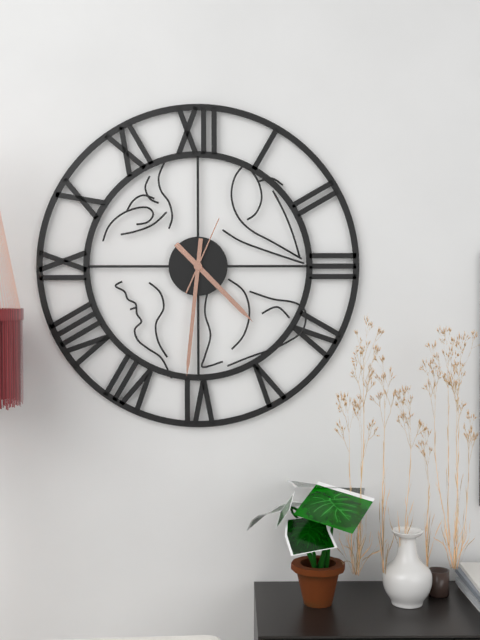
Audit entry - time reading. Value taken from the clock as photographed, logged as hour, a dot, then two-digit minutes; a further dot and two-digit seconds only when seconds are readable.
4.31.04
